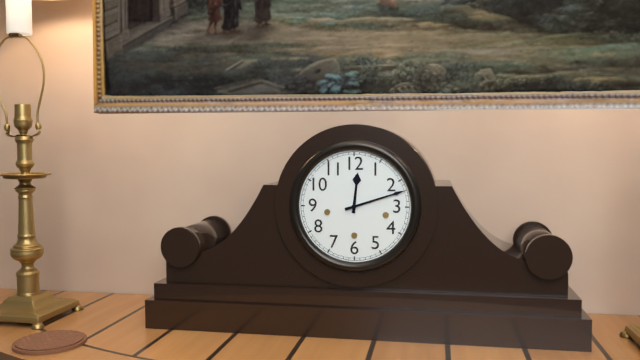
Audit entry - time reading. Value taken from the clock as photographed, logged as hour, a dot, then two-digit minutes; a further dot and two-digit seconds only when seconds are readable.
12.12
